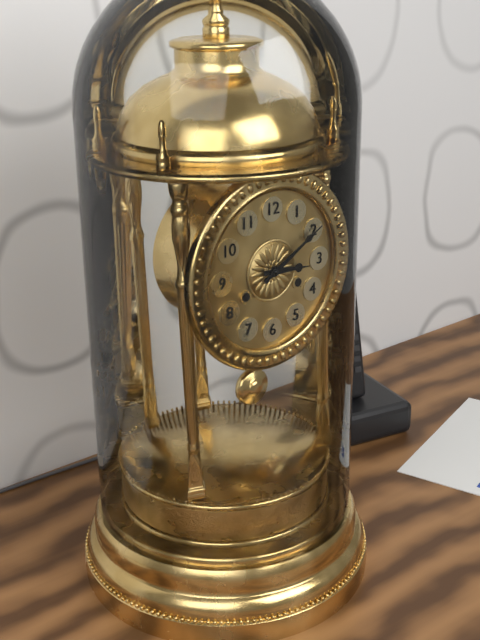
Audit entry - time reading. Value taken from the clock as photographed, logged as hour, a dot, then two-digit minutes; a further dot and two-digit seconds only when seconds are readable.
3.10
